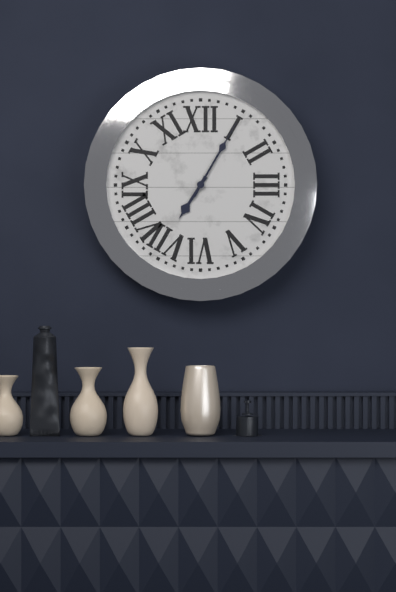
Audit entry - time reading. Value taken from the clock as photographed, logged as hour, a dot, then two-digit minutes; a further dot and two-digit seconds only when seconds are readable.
7.05.05
